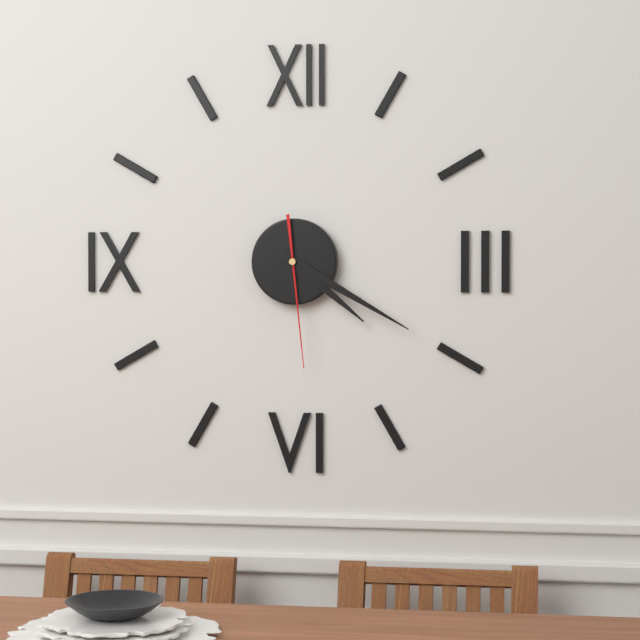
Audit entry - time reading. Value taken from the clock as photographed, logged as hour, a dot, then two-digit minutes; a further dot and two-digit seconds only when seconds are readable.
4.20.29
